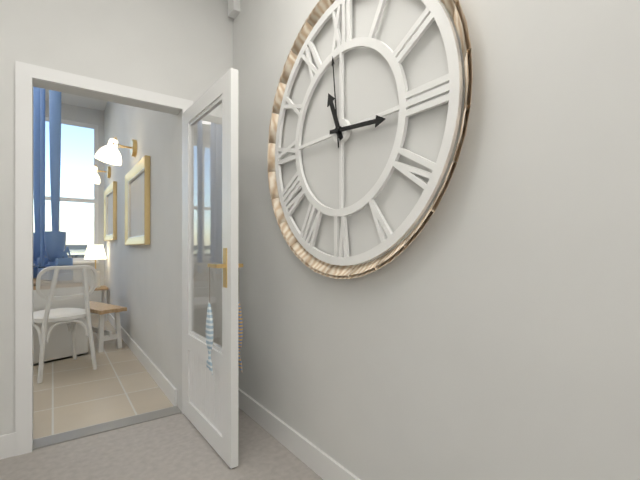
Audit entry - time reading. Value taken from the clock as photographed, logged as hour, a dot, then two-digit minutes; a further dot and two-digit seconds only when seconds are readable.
11.16.59
